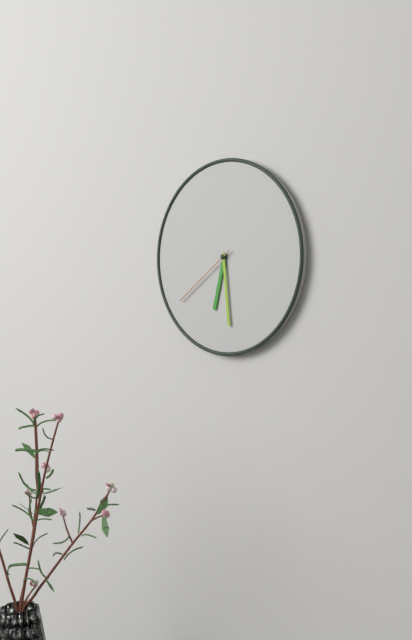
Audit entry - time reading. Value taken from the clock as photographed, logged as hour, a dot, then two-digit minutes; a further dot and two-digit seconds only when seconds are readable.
6.29.39
